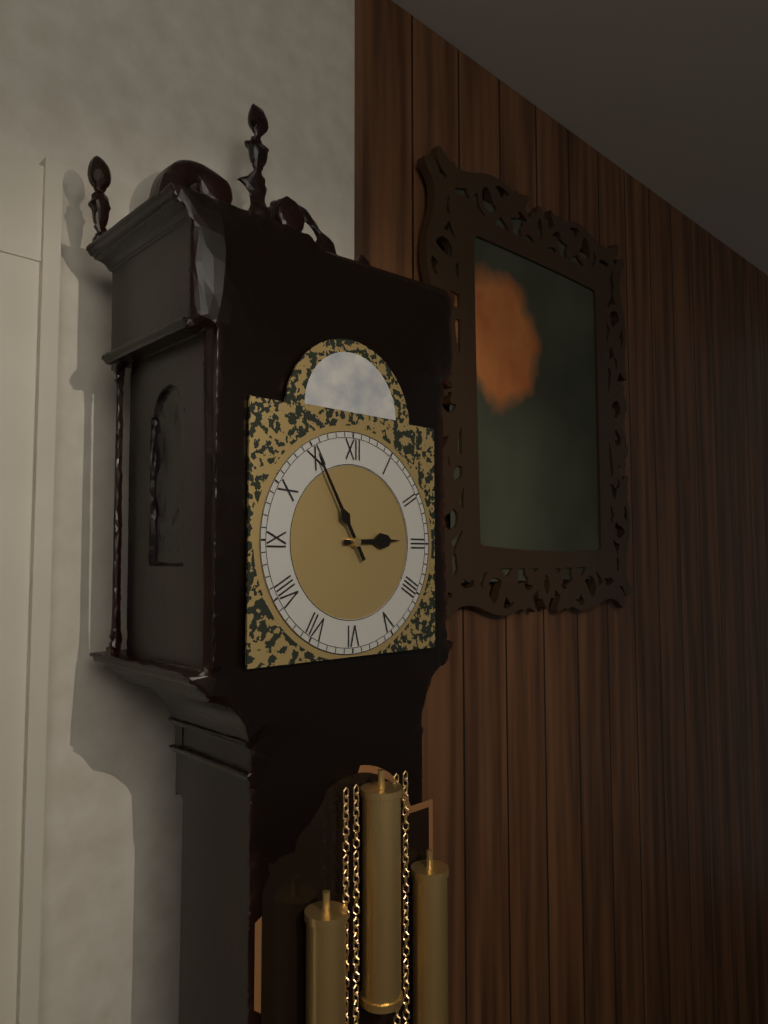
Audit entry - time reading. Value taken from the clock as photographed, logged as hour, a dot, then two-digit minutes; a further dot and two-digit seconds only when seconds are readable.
2.55
